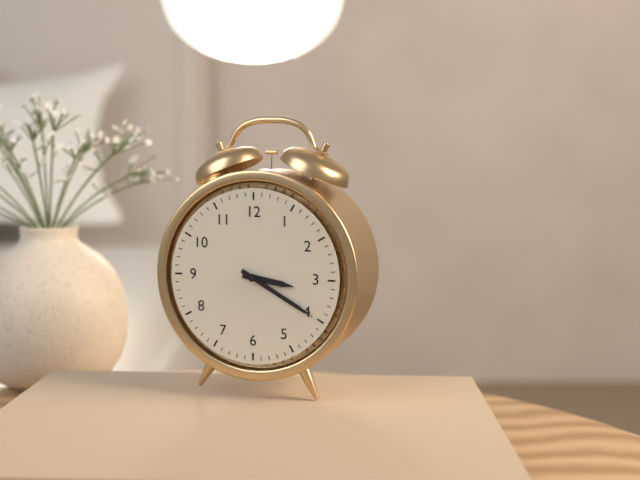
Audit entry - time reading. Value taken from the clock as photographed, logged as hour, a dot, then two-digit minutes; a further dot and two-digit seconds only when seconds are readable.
3.20
